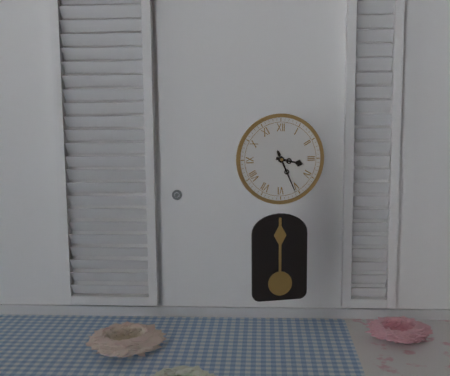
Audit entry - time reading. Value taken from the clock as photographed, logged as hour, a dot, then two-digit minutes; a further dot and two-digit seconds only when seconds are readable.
3.26
